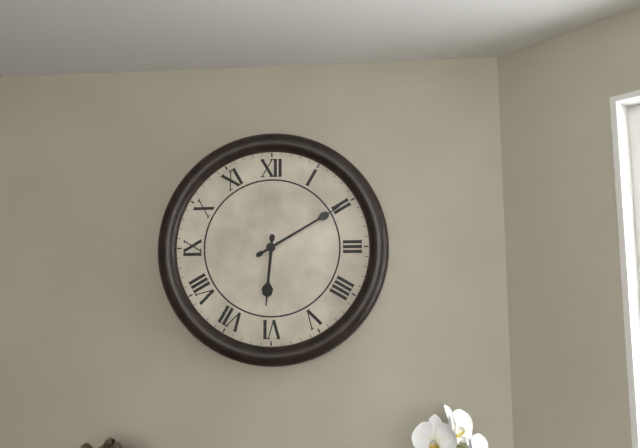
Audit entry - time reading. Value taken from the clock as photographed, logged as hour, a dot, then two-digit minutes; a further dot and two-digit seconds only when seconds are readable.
6.10
